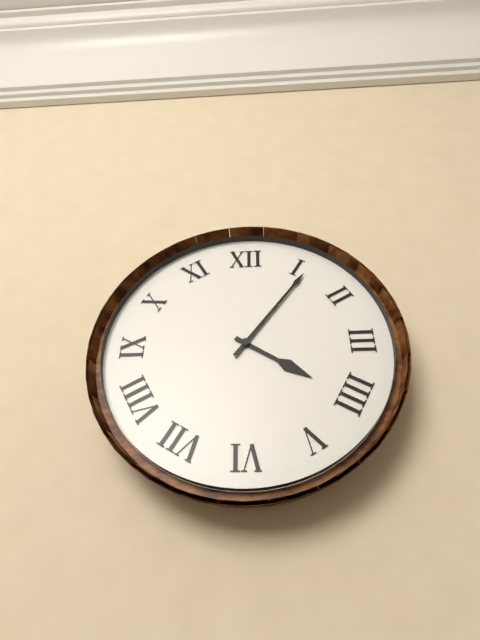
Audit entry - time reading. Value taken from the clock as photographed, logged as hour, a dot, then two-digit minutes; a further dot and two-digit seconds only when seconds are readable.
4.06
